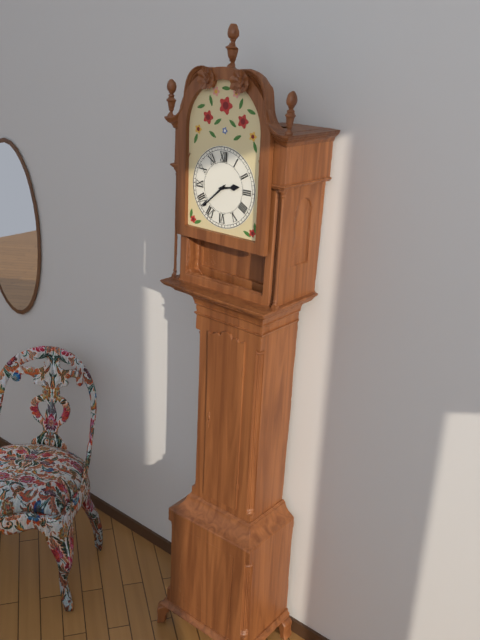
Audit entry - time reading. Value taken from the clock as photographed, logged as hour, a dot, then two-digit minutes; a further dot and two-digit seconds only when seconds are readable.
2.38
